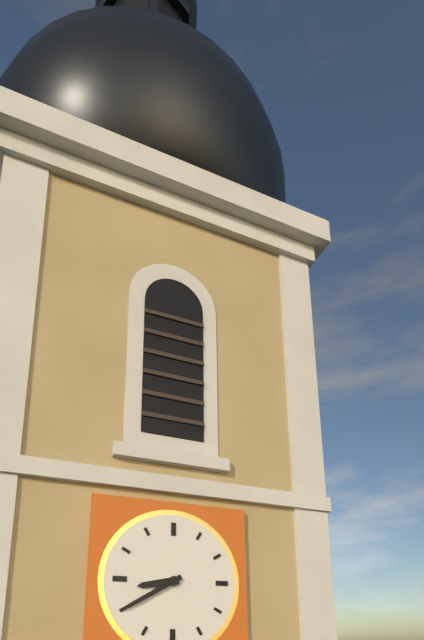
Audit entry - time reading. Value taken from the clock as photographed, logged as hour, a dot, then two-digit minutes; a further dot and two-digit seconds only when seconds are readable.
8.40
